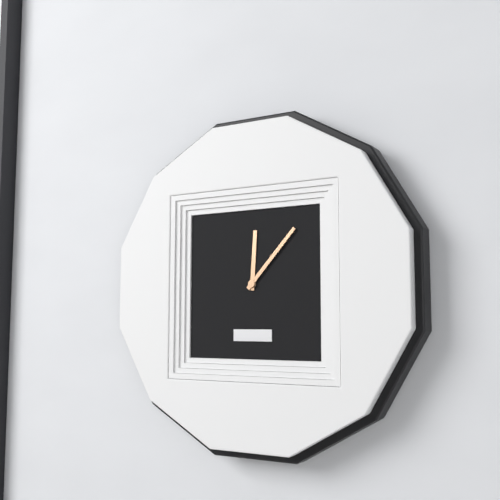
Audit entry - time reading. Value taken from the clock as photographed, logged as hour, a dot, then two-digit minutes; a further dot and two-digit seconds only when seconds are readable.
12.07
